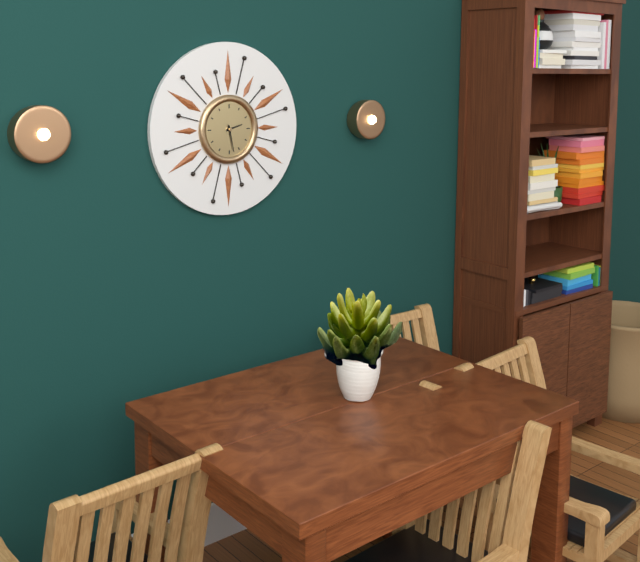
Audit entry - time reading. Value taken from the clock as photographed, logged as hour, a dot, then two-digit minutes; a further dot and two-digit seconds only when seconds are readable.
2.28
